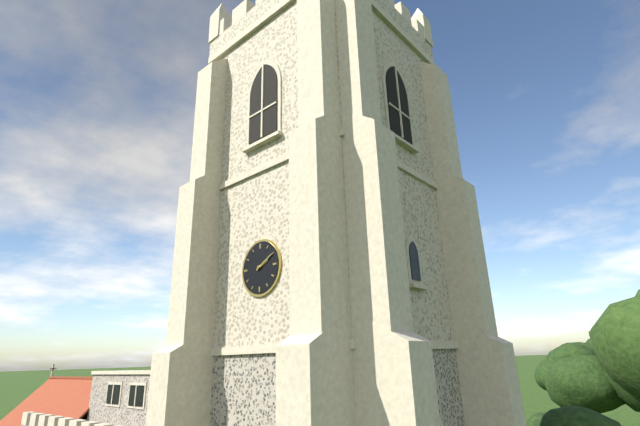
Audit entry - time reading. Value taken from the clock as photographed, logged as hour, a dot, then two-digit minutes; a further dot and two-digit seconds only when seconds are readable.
2.10
